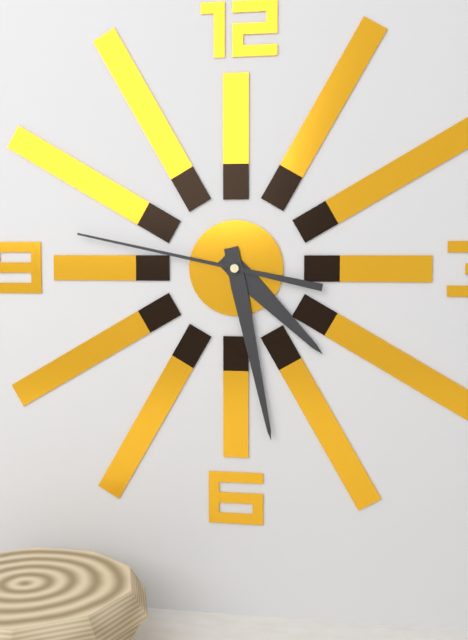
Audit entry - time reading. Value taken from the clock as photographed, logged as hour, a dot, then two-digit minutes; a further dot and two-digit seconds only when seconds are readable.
4.28.47
